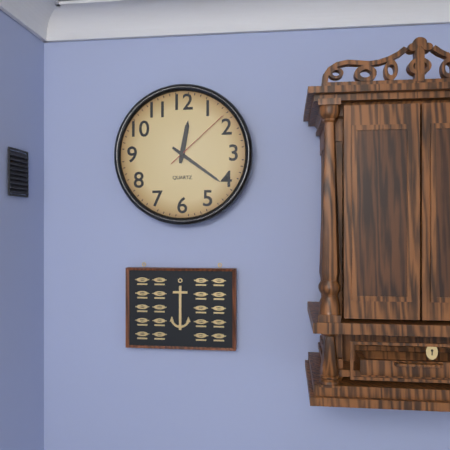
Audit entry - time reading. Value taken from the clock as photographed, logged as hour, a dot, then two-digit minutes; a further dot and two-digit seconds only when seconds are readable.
12.21.08
